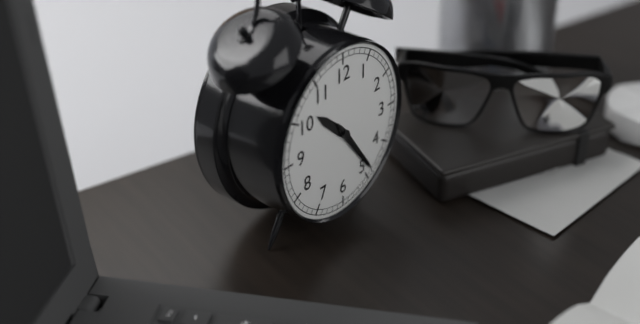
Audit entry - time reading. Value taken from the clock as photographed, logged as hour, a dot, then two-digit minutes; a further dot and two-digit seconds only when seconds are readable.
10.24
